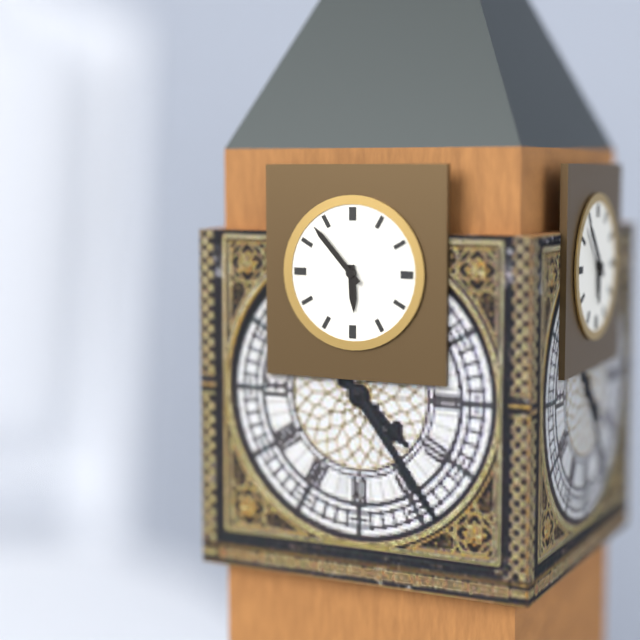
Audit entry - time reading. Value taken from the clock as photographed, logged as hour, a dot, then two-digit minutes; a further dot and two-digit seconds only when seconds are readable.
5.53
